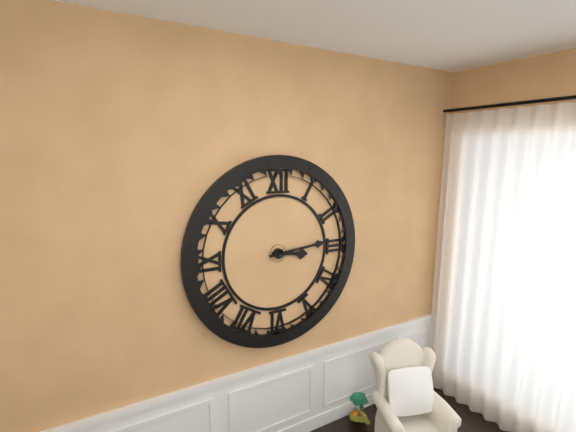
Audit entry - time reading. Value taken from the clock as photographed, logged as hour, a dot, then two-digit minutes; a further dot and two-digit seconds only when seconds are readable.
3.14
